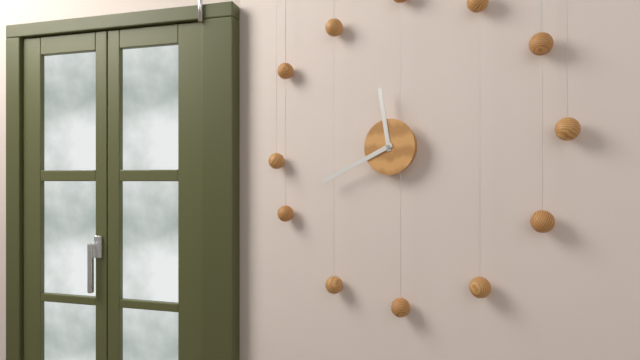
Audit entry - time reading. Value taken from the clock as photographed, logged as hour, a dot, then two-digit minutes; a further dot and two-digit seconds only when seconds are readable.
11.41
